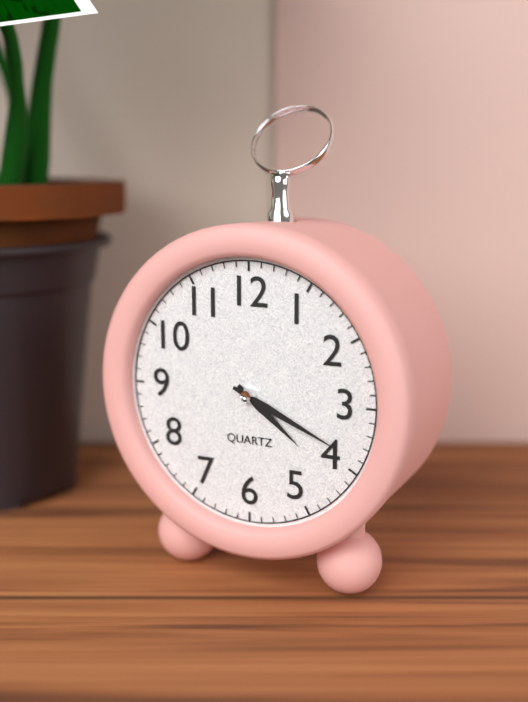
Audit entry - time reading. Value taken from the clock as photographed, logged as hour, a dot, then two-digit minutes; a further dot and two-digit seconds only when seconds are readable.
4.19
